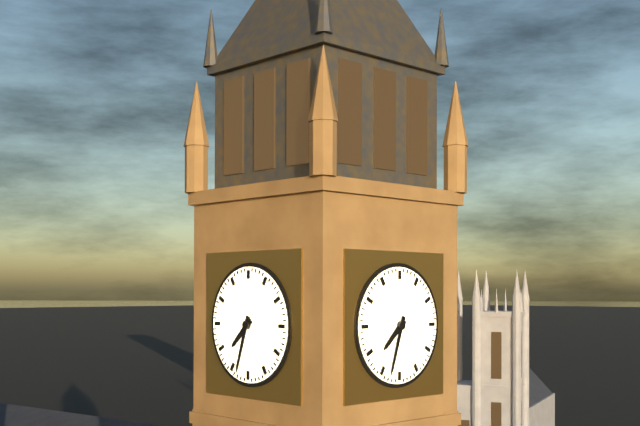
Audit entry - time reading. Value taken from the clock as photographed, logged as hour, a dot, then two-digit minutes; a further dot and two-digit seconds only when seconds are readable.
7.33
